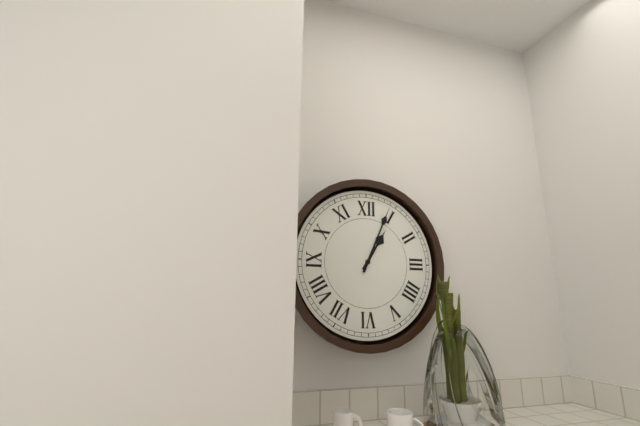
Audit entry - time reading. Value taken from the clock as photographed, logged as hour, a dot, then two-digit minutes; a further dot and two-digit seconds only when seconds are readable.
1.04
